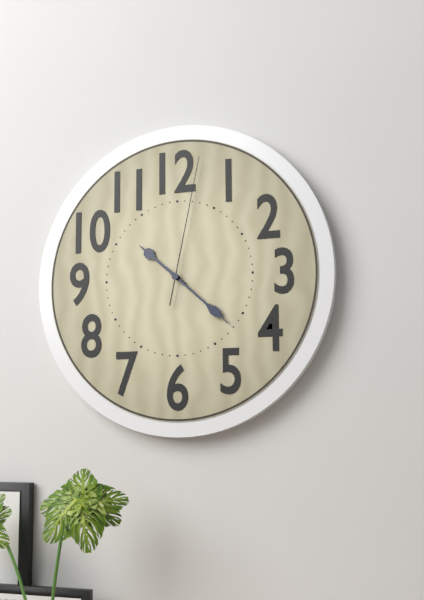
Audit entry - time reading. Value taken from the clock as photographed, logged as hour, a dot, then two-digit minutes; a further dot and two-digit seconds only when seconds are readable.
10.22.02
